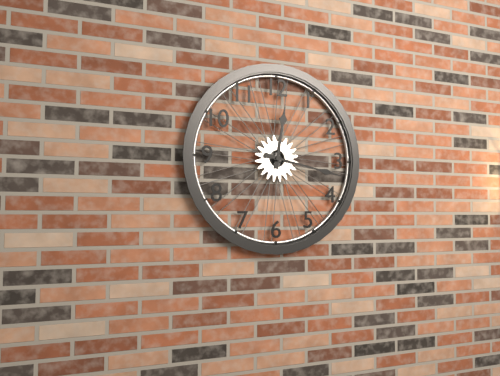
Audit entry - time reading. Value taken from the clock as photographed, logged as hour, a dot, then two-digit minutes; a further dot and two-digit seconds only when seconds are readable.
12.17
